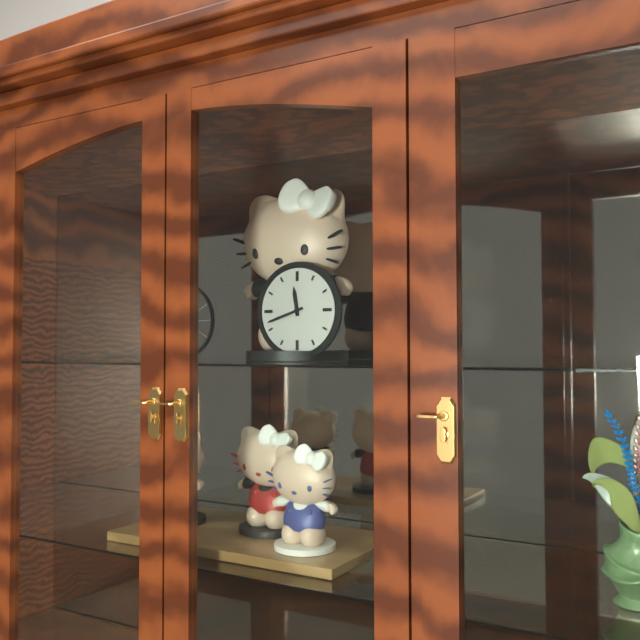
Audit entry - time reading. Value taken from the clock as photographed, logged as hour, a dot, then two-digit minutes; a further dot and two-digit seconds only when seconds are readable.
11.42
